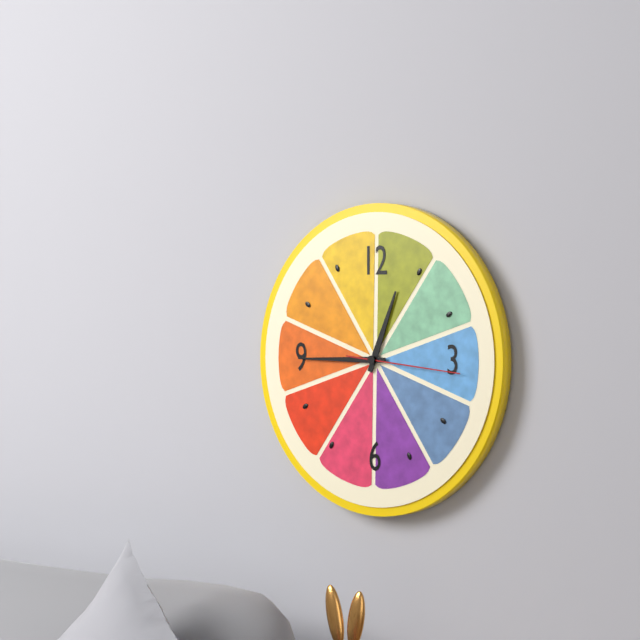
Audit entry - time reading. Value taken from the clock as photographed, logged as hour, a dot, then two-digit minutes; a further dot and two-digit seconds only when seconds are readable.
12.45.16
